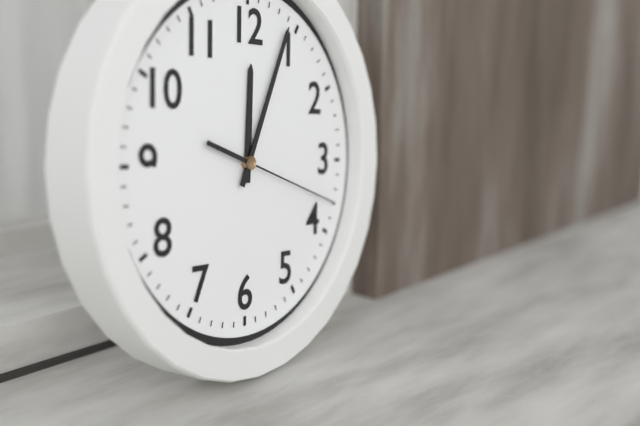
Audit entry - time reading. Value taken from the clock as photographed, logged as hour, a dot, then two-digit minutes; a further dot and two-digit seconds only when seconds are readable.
12.04.18
